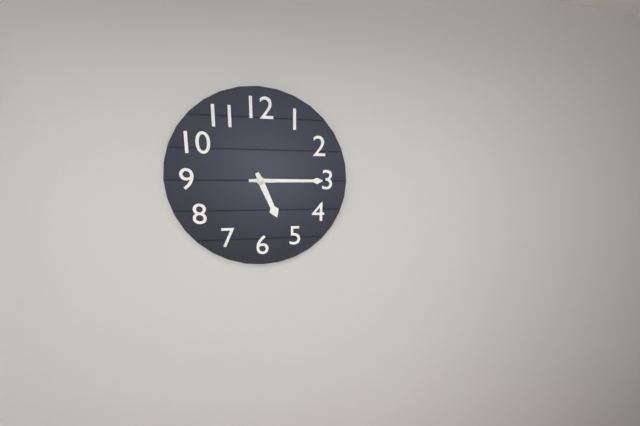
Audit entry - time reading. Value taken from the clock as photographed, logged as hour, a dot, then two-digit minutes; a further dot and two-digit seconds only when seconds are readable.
5.15
